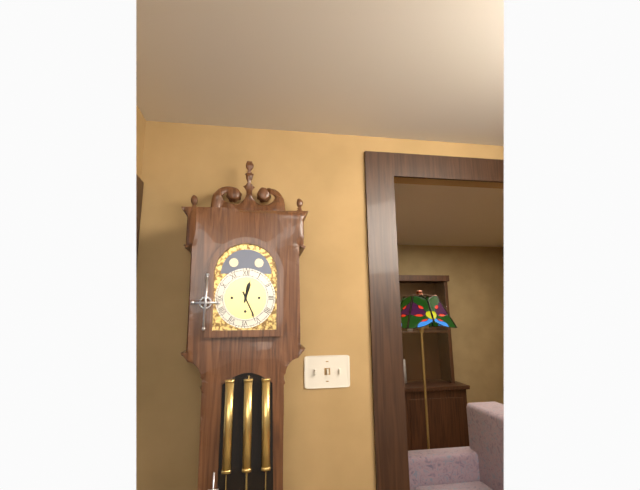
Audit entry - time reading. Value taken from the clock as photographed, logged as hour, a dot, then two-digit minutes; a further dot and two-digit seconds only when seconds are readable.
12.26
